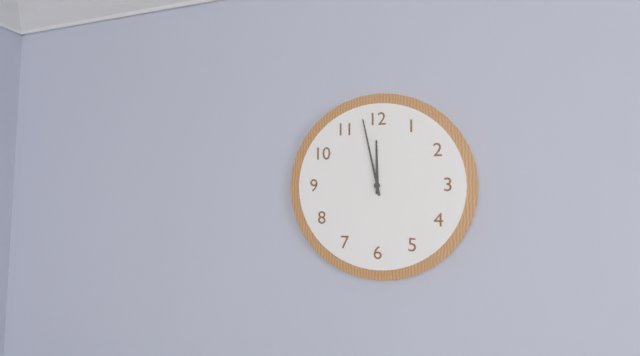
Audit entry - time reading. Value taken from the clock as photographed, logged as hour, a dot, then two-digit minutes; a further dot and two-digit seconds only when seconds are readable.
11.58
